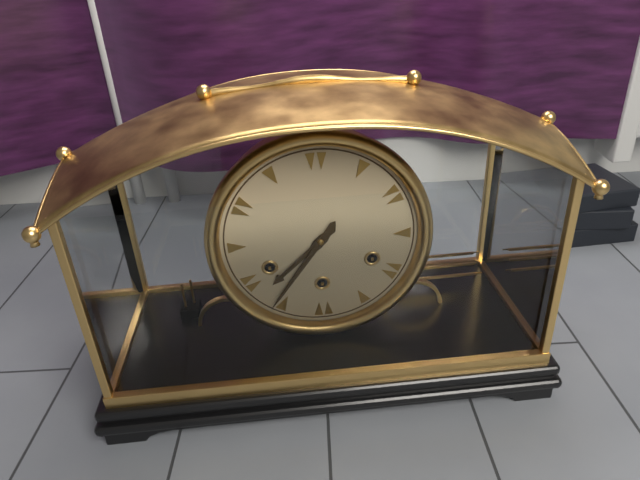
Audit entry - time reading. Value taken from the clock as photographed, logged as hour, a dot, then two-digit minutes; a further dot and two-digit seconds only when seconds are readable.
7.36
